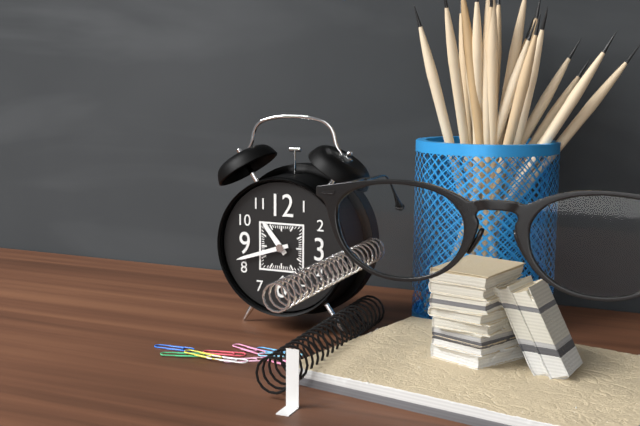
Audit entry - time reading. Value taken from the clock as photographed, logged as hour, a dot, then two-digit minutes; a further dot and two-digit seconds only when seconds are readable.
10.42
